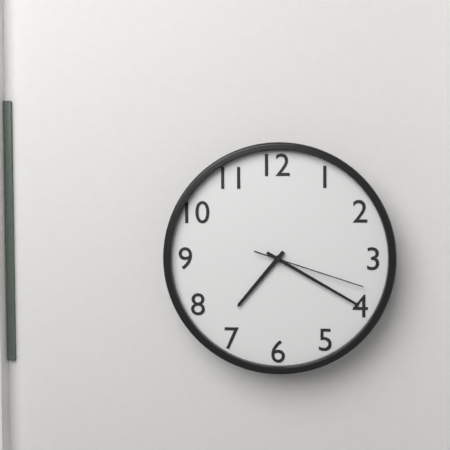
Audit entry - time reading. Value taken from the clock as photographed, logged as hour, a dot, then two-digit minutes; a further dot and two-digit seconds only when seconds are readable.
7.20.18
